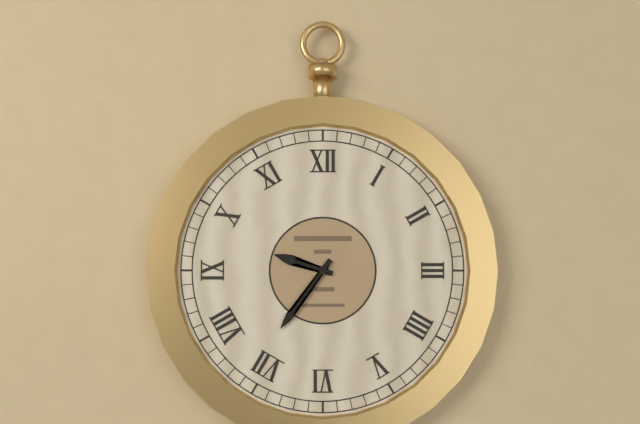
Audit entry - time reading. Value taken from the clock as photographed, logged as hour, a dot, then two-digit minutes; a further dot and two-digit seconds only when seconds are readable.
9.36
